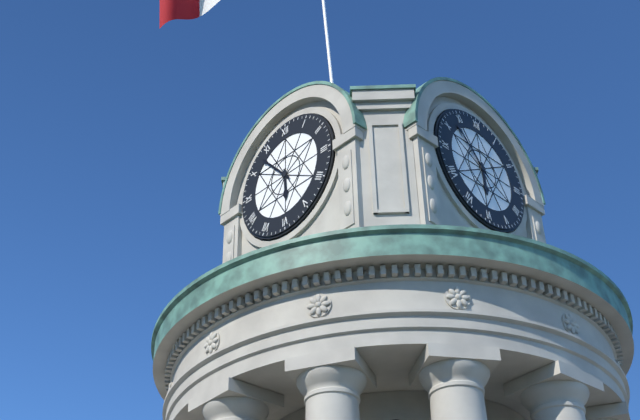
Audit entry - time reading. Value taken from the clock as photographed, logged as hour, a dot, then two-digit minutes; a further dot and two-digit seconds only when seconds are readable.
5.53
